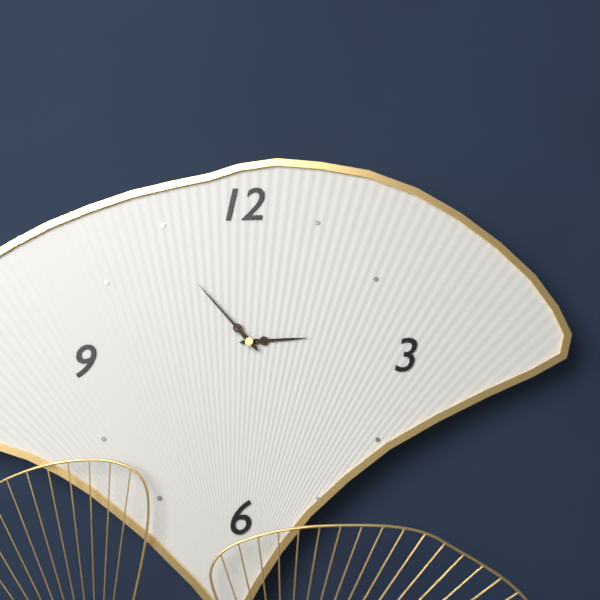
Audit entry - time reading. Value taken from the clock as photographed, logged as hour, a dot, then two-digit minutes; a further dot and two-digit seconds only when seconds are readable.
2.53
